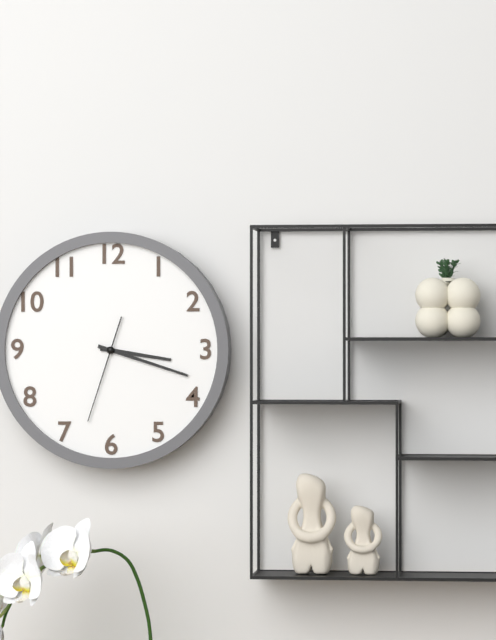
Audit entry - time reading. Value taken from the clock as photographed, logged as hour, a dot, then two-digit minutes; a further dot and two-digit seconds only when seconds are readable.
3.18.33
